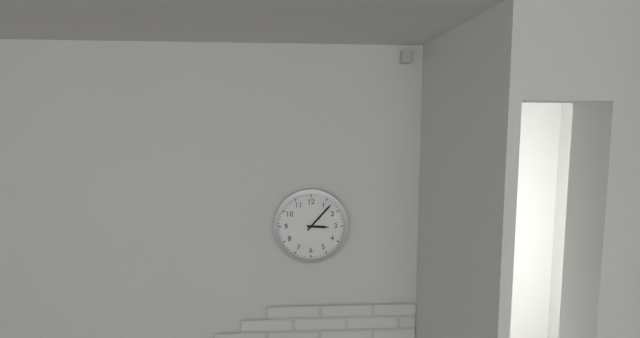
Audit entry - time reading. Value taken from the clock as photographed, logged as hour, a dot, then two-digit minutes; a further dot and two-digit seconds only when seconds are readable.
3.07
